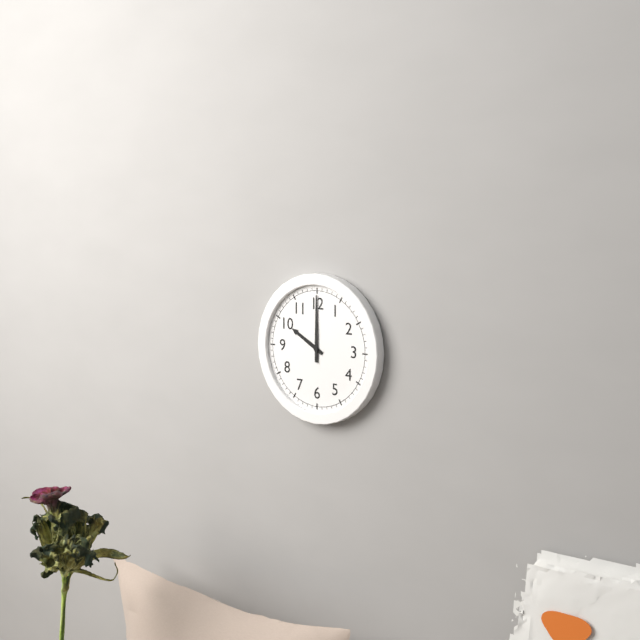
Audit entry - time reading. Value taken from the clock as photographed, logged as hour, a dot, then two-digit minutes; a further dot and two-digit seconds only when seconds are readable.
10.00
